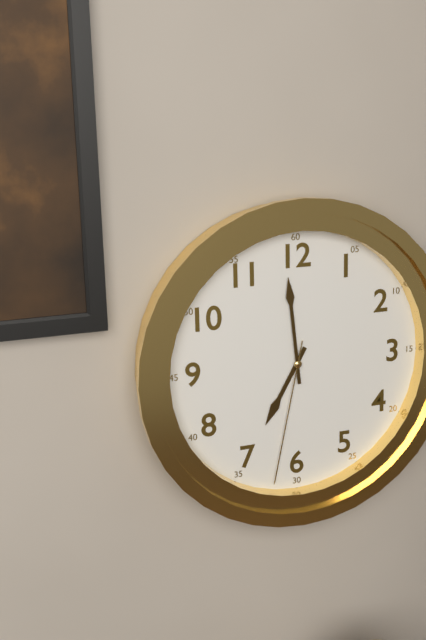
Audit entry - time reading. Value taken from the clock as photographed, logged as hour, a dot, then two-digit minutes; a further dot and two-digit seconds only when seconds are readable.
6.59.32
